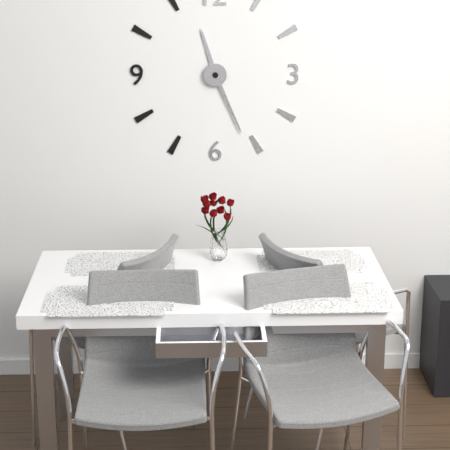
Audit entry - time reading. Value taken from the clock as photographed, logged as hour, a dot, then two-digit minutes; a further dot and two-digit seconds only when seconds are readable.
11.26
